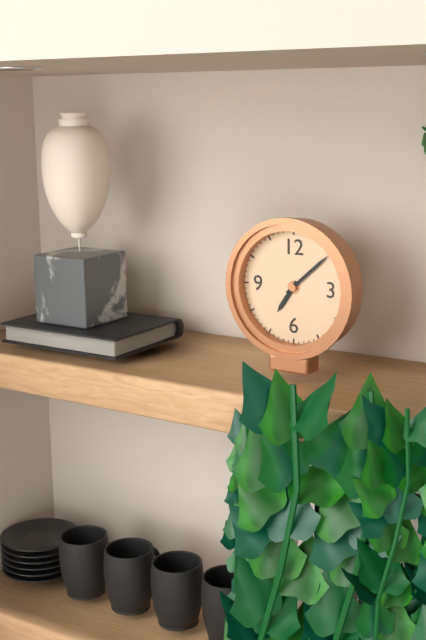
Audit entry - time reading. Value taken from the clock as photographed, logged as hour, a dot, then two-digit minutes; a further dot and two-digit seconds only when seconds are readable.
7.08
